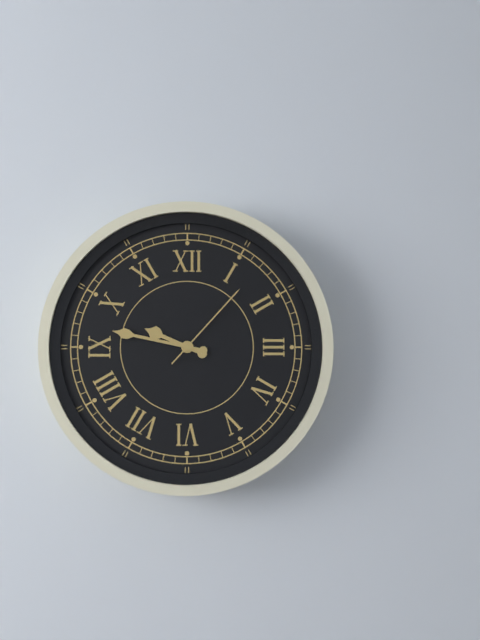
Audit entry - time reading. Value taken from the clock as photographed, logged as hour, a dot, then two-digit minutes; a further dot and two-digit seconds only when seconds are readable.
9.47.07
